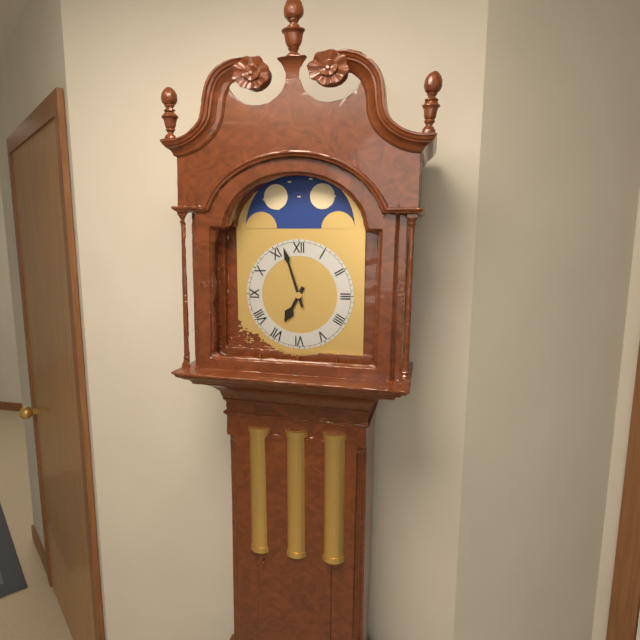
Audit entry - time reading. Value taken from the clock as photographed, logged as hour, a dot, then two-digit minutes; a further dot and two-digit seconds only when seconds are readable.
6.57
